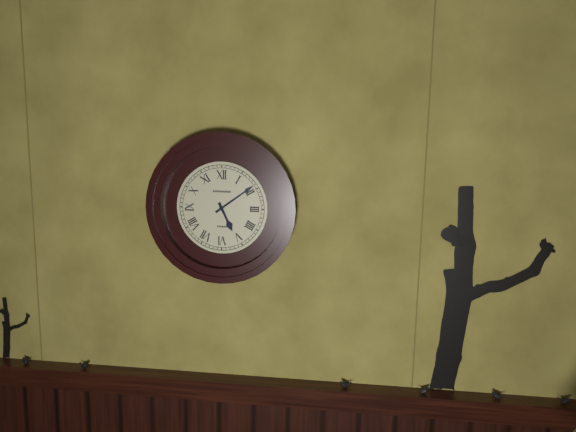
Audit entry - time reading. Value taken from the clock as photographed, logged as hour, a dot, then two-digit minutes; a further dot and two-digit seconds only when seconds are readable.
5.09
